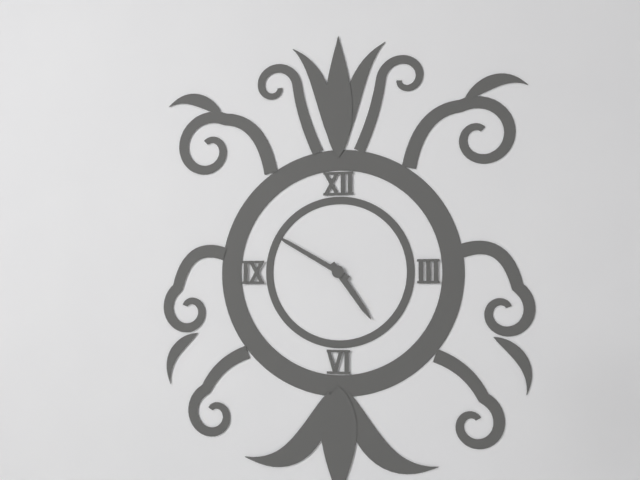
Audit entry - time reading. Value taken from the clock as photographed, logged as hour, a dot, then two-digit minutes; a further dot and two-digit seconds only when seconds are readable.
4.50
